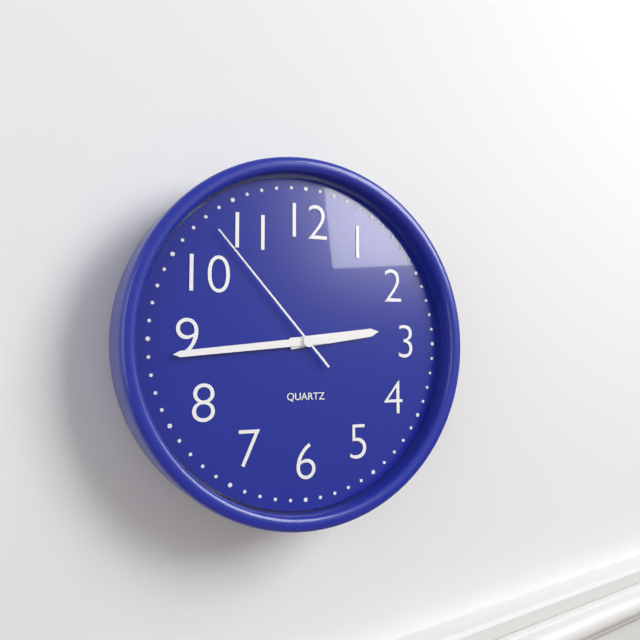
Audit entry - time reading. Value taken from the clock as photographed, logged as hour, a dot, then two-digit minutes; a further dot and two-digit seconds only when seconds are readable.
2.44.53
